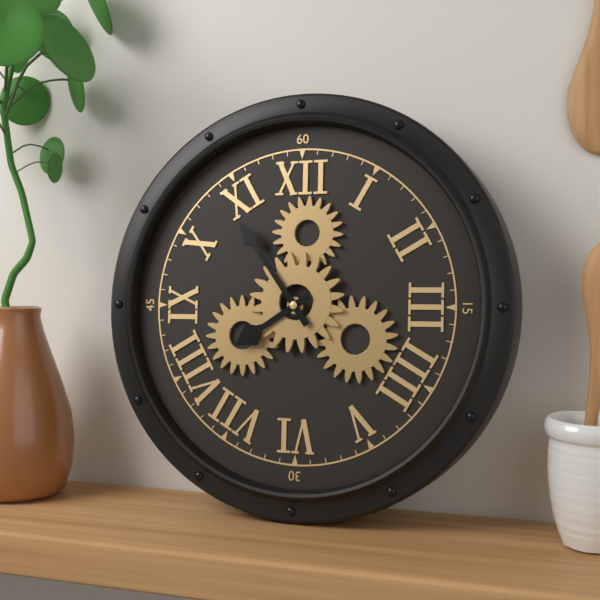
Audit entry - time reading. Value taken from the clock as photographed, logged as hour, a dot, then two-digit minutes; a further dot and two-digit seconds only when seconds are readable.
7.54
